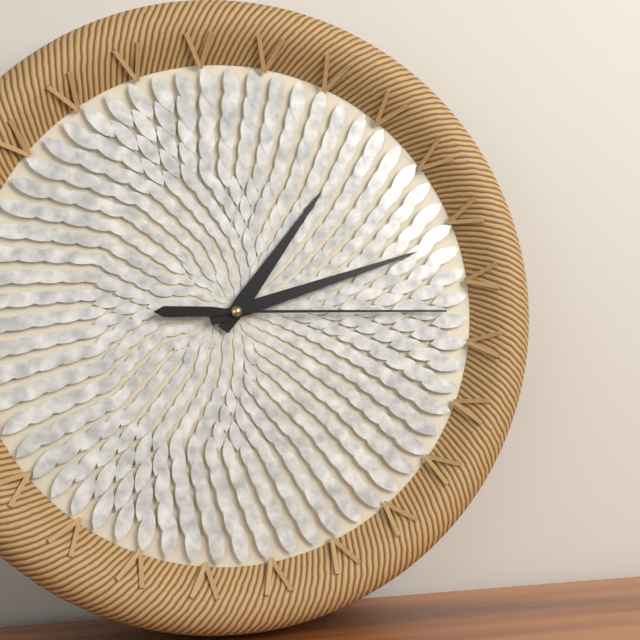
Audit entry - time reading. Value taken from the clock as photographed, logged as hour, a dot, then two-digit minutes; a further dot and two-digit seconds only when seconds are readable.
1.12.15
